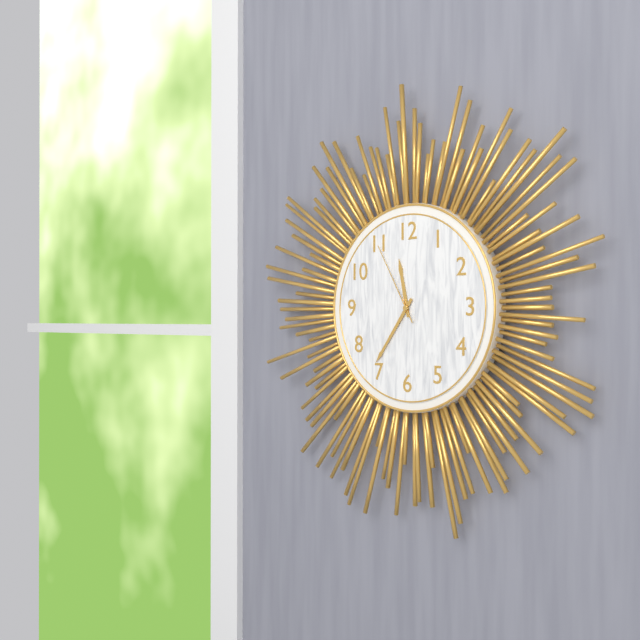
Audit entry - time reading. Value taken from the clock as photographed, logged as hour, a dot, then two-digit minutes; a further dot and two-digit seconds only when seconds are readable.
11.36.55
